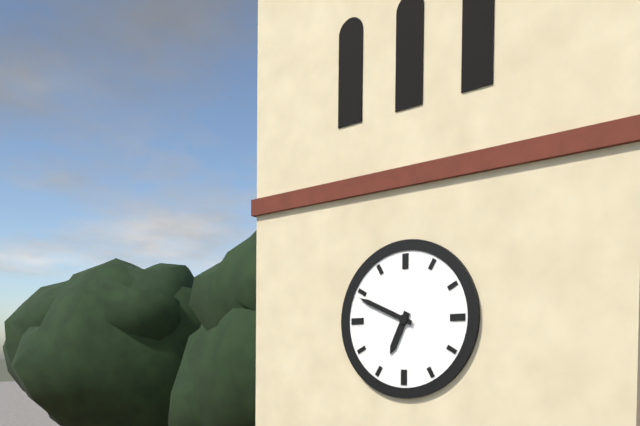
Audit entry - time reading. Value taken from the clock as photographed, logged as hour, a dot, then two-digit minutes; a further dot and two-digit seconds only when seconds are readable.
6.49
